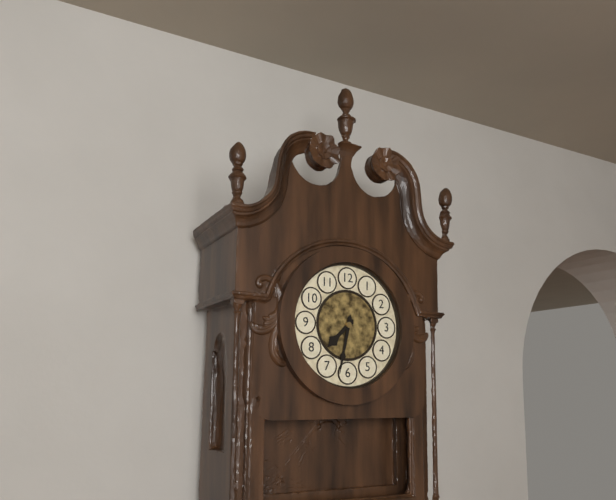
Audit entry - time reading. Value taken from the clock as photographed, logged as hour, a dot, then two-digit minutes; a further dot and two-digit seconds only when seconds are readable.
7.32
